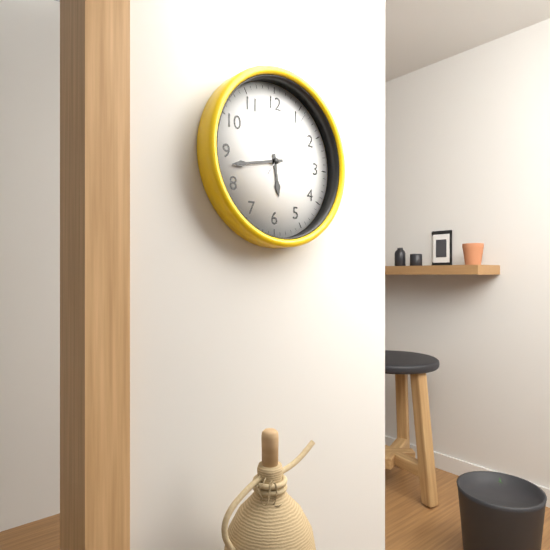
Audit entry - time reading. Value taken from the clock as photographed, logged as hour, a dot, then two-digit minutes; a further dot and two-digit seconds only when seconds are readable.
5.43.06
